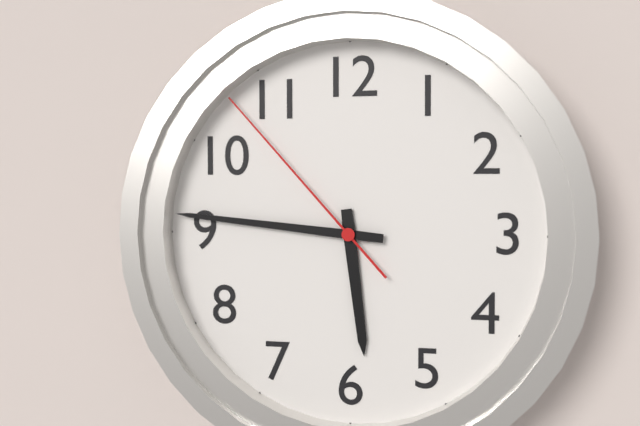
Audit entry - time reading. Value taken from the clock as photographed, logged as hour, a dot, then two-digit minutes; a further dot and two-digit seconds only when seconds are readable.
5.46.53
